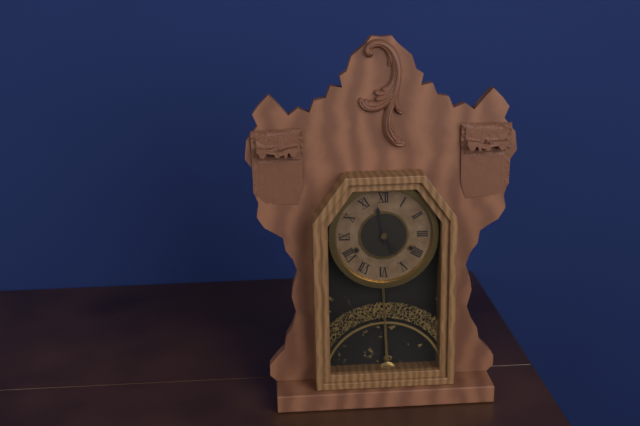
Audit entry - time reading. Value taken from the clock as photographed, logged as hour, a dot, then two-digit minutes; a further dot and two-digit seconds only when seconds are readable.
4.58
